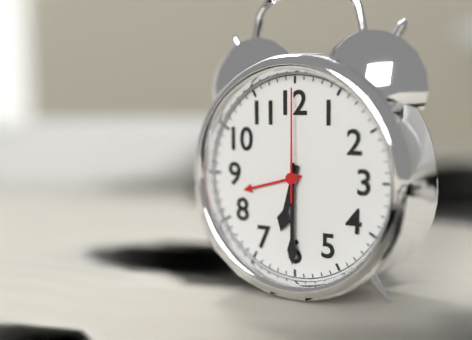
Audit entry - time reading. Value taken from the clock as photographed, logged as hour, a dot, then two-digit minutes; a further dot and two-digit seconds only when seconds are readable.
6.30.00
